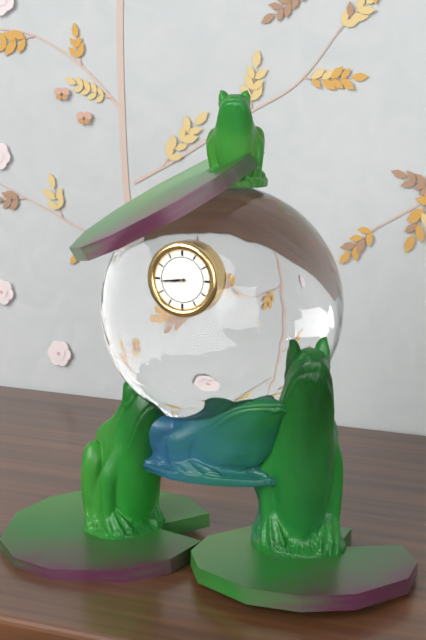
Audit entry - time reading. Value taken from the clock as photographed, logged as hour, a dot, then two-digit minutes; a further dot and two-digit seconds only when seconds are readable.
8.44
